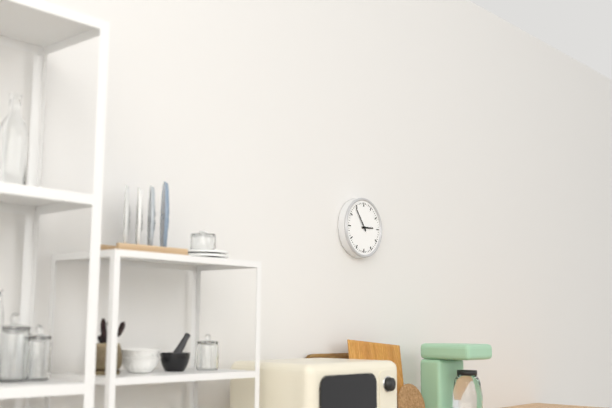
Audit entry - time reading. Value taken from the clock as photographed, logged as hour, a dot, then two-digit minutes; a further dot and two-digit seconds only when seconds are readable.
2.54
